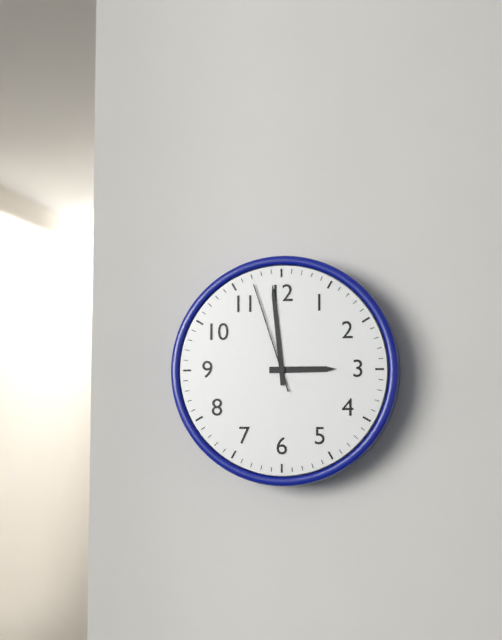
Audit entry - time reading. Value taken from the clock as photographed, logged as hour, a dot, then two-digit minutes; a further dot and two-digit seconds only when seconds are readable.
2.59.57
